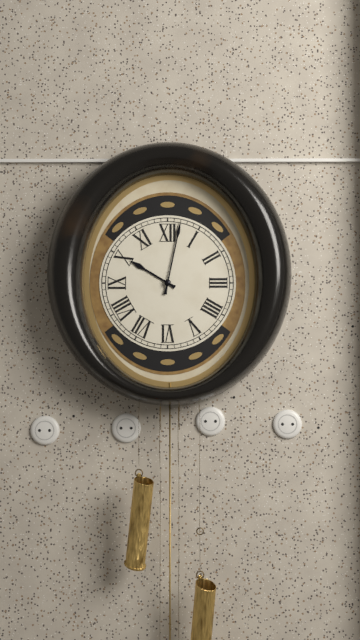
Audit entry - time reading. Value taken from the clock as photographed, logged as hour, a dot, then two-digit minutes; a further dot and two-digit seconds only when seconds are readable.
10.02
